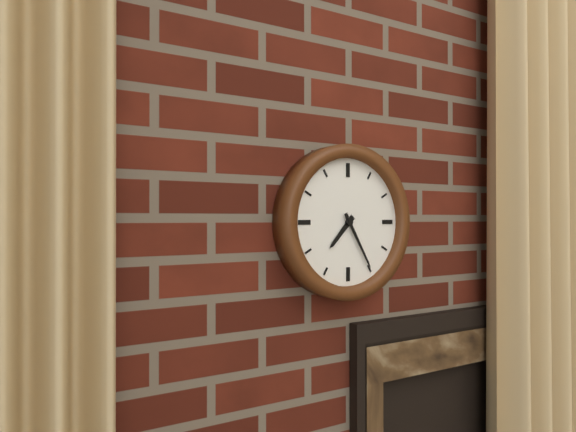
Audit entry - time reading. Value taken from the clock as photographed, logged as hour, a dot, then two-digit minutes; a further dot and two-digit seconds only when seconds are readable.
7.25
